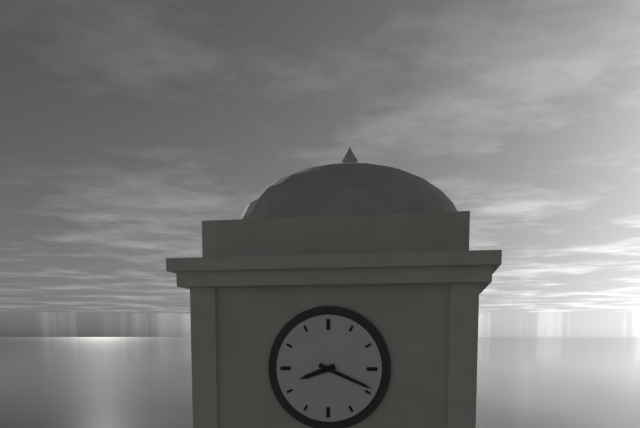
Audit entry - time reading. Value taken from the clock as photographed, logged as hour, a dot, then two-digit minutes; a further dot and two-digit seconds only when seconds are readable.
8.19
